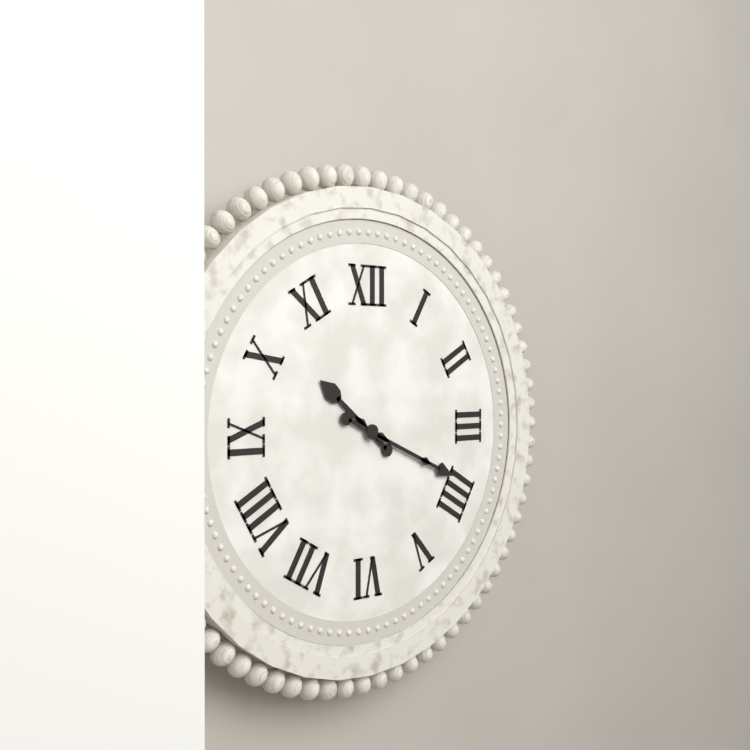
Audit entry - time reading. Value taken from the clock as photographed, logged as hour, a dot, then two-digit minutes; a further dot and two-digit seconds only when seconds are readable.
10.19
